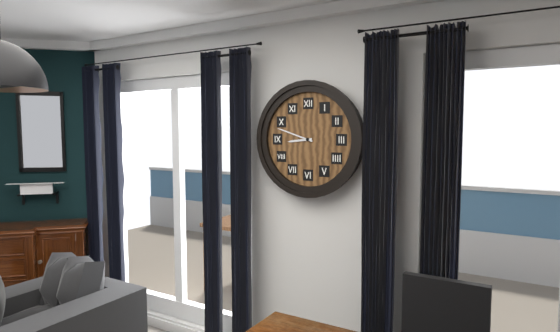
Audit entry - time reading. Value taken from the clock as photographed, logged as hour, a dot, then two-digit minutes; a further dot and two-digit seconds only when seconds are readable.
8.48
